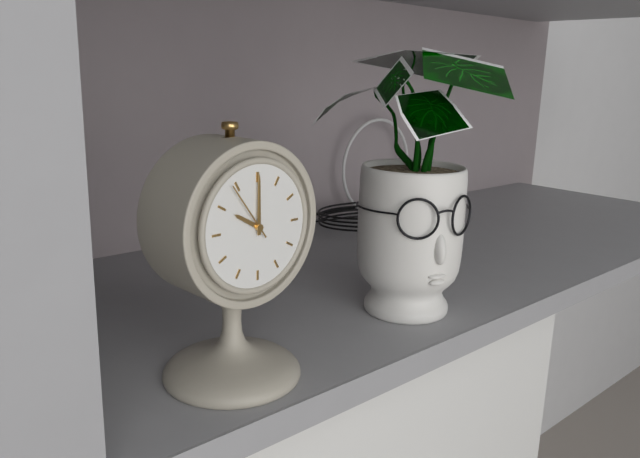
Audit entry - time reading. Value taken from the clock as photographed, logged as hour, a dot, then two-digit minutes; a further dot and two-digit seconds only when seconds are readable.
10.00.54
